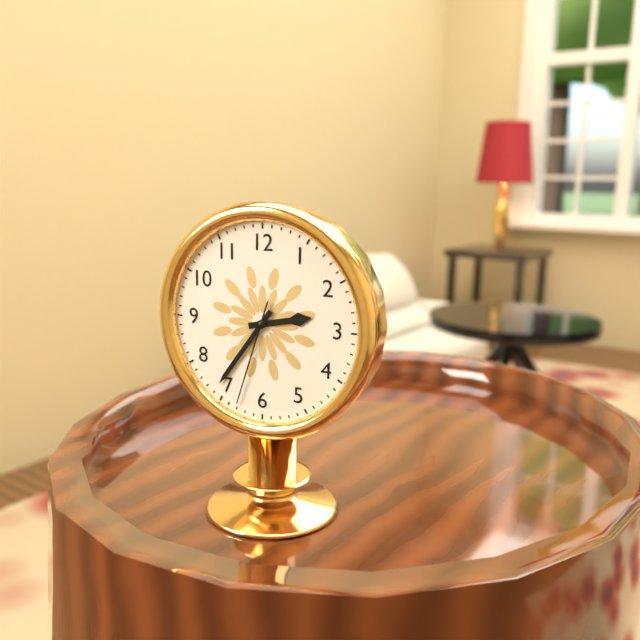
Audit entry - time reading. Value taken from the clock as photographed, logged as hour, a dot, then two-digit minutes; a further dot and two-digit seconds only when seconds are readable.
2.36.33
